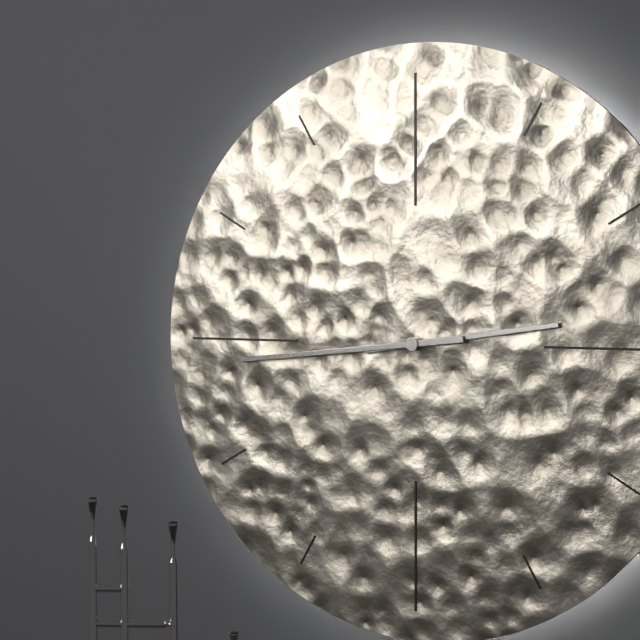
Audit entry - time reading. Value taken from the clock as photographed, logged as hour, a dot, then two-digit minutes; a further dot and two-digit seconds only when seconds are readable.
2.44
